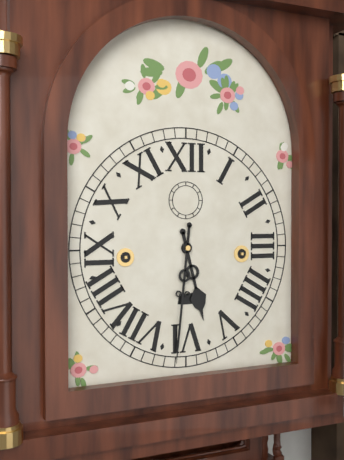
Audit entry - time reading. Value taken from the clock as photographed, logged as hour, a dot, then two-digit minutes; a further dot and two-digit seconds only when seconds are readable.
5.31
